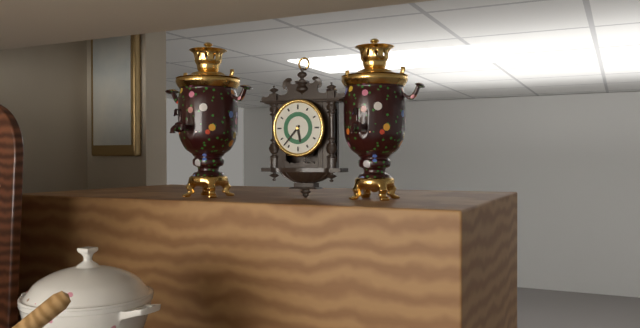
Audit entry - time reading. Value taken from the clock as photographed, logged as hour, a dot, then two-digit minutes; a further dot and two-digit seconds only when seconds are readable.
5.37
